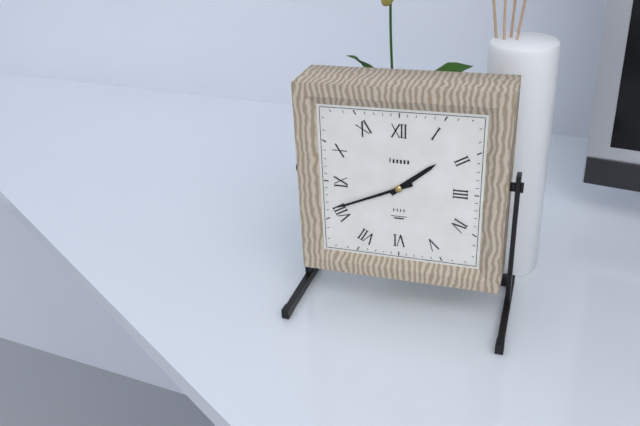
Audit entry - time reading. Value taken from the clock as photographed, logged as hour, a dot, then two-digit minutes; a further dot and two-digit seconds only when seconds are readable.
1.41
